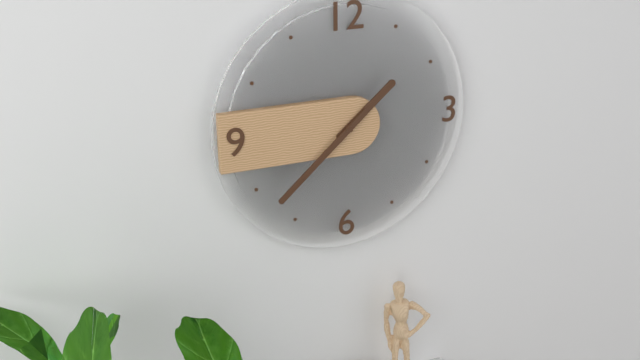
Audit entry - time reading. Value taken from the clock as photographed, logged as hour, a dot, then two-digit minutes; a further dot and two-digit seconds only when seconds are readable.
1.38
